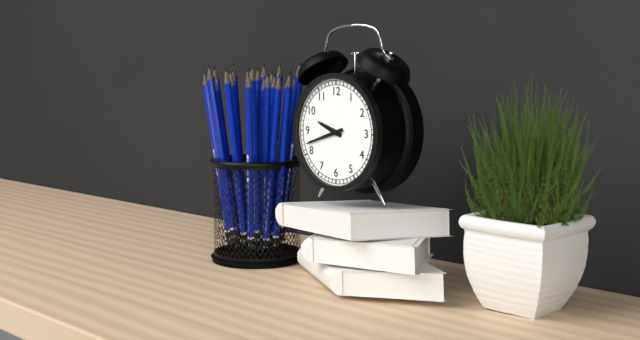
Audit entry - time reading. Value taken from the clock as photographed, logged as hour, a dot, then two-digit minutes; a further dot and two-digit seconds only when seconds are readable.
9.42
